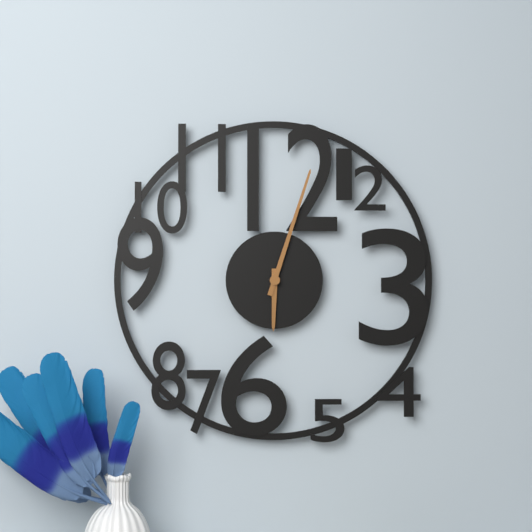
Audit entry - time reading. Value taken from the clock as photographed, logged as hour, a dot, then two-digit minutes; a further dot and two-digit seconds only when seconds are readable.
6.03
